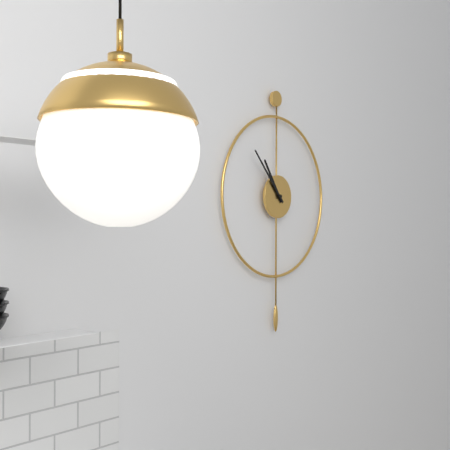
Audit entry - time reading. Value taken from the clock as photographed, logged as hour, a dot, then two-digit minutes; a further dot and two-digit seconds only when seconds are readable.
10.53
